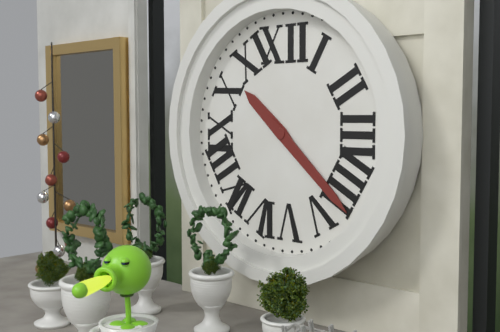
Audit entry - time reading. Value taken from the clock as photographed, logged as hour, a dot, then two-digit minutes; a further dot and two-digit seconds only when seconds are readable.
10.22
